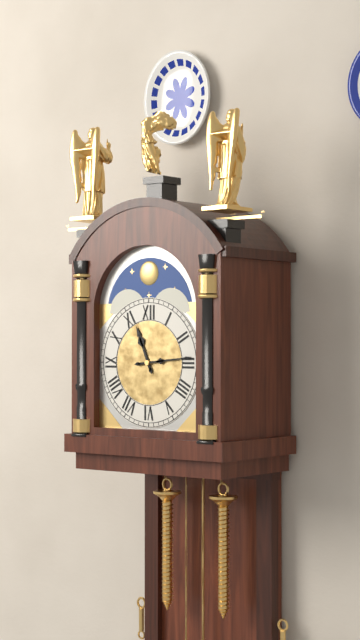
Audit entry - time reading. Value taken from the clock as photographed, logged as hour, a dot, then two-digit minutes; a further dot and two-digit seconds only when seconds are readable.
11.14
